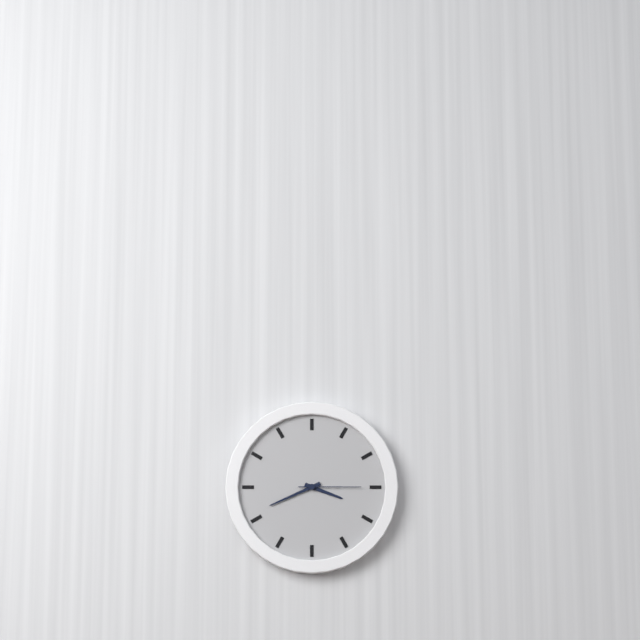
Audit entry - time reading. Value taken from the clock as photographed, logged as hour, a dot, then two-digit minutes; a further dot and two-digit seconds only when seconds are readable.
3.41.15
